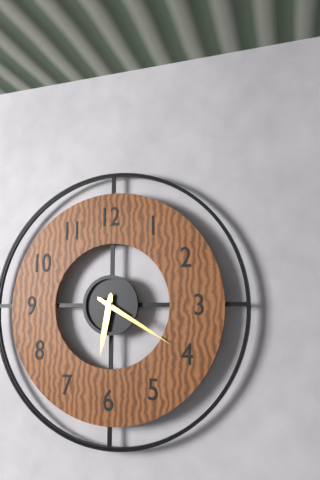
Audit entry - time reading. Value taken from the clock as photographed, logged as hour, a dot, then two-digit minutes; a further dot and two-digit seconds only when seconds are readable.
6.20
